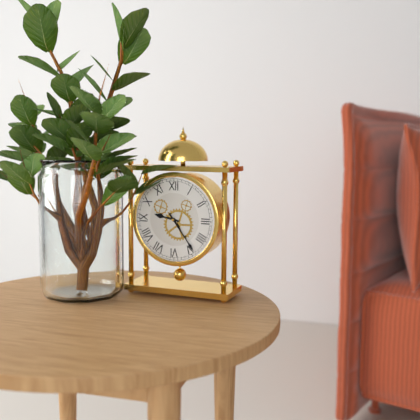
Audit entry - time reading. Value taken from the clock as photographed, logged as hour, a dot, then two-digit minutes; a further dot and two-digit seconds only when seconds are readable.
9.24
